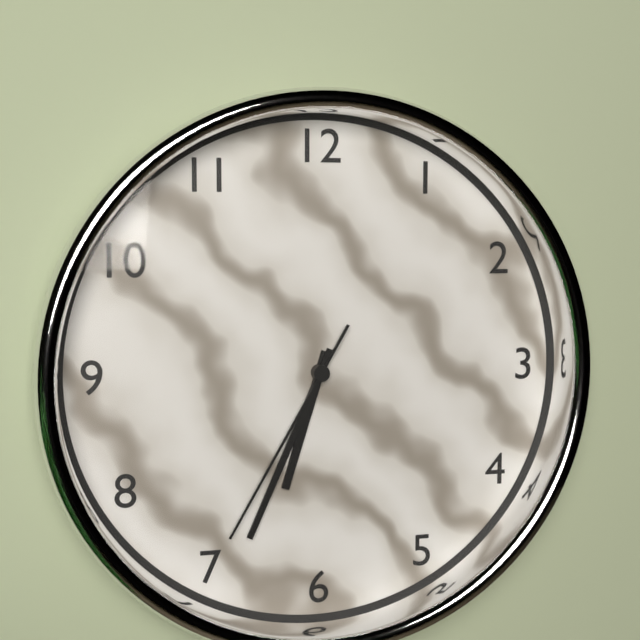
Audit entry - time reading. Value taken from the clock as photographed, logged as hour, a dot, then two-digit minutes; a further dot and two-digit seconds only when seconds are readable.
6.34.35
